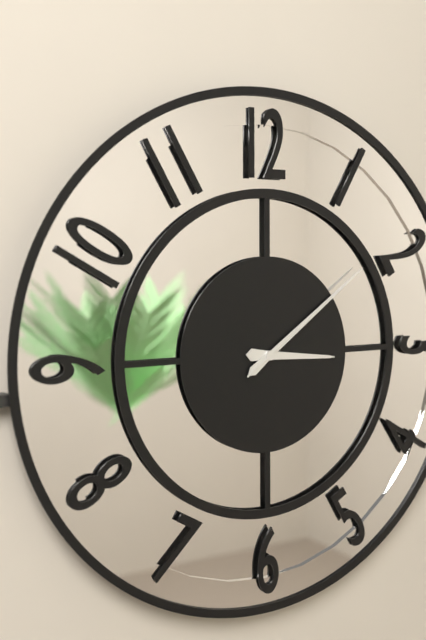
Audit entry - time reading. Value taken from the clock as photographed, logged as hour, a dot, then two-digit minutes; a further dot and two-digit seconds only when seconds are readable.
3.09.09
